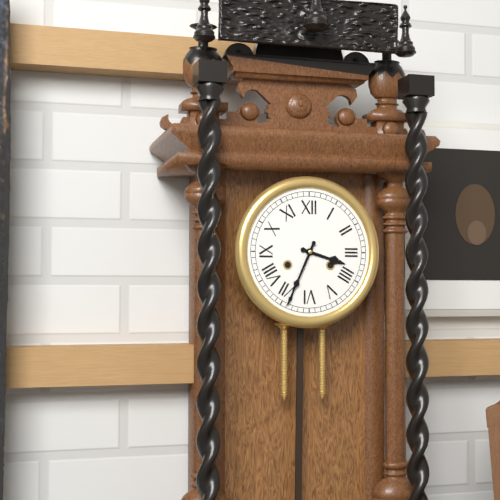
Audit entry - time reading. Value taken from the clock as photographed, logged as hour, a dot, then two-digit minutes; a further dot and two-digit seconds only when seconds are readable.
3.34
